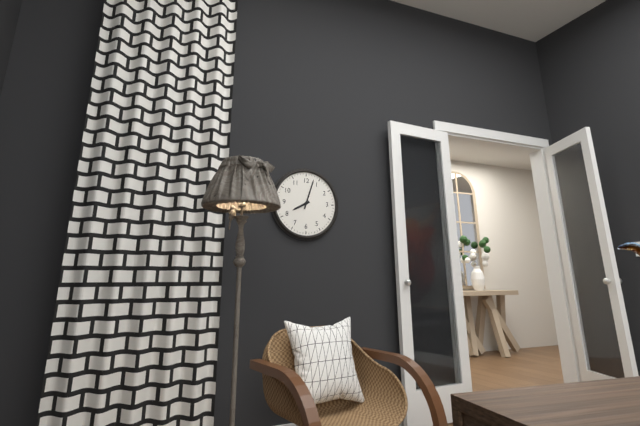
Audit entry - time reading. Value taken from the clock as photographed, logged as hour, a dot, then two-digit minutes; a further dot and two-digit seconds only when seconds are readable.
8.03
